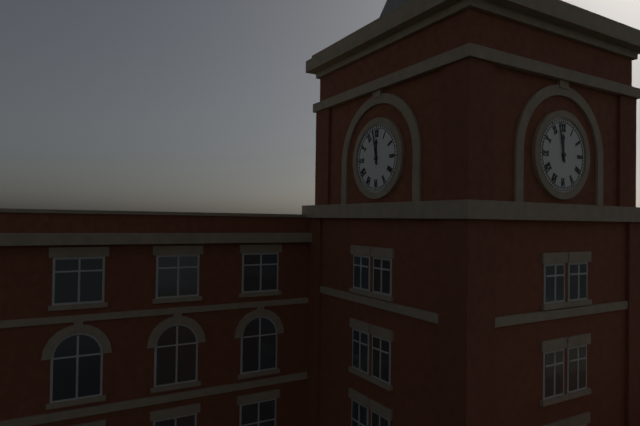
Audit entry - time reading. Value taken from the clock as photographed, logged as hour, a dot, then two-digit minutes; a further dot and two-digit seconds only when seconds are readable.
11.58
